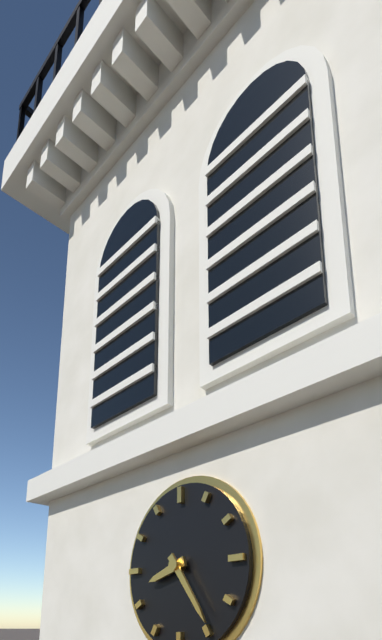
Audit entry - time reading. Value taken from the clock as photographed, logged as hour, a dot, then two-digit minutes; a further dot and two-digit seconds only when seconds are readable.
8.24
